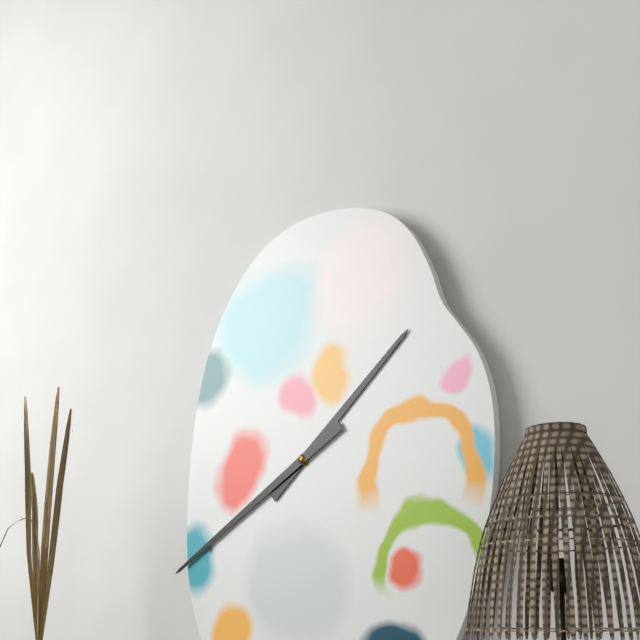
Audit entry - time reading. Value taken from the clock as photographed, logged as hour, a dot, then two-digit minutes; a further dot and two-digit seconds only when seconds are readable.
1.40
